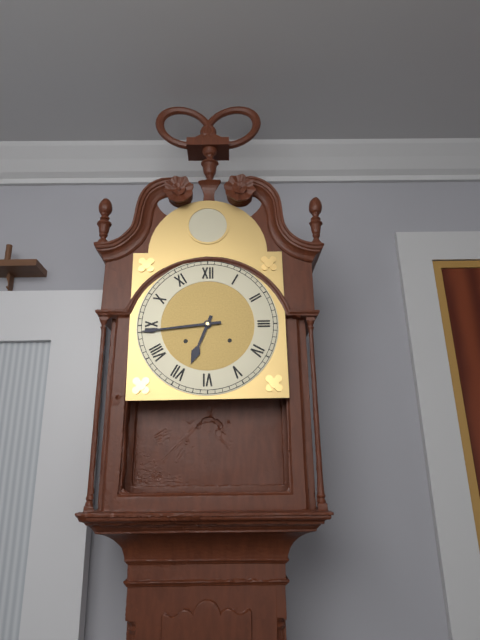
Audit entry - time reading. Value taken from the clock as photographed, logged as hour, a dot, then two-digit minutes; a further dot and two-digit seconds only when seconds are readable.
6.44
